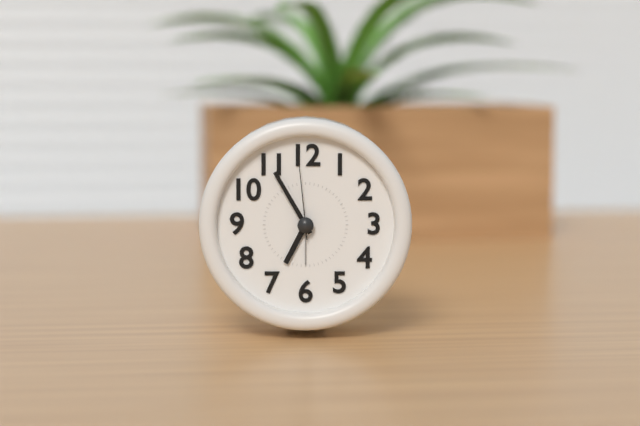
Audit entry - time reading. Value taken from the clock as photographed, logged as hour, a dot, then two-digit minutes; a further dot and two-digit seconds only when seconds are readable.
6.55.59
